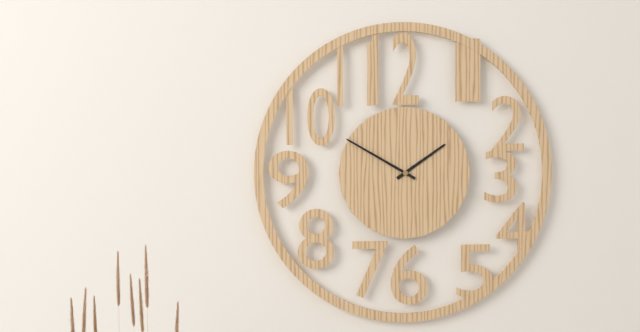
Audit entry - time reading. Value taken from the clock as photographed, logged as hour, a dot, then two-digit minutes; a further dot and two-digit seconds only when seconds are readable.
1.50
